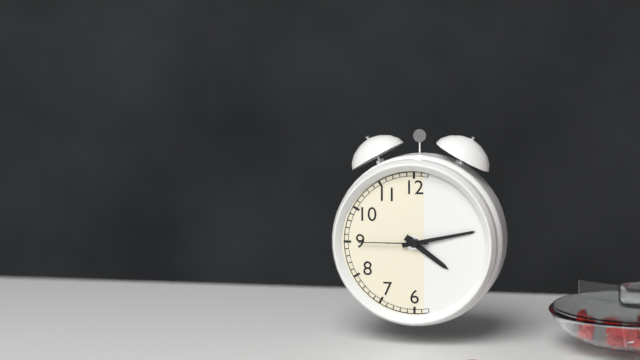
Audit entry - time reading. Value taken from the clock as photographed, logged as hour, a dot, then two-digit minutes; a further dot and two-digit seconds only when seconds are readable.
4.13.45
